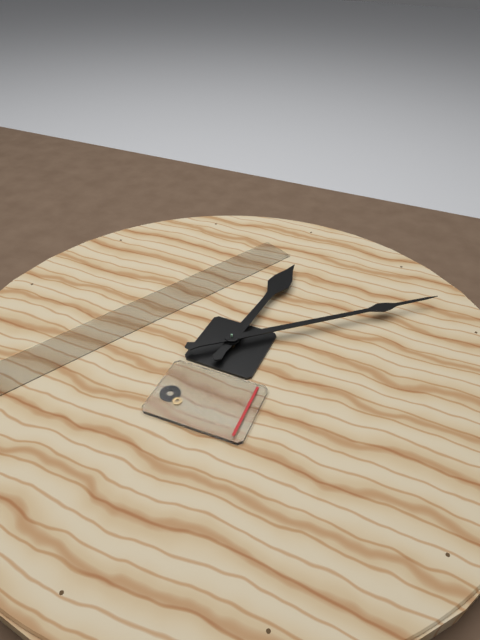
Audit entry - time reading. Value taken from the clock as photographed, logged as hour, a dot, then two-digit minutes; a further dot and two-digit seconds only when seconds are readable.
12.08
